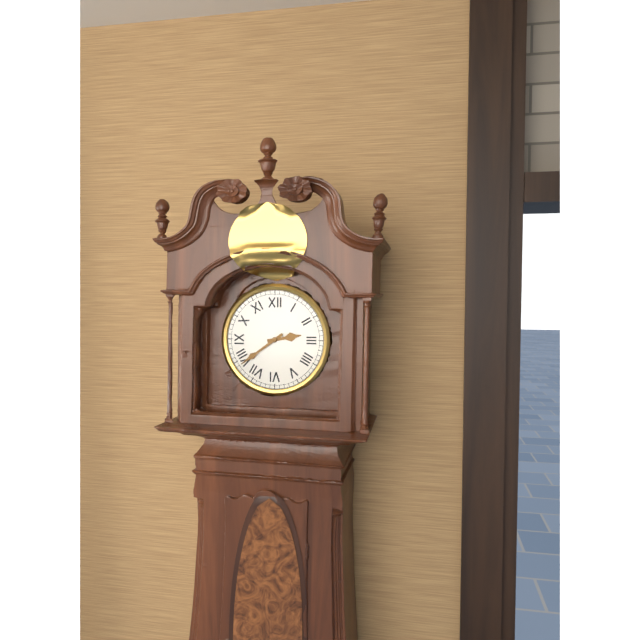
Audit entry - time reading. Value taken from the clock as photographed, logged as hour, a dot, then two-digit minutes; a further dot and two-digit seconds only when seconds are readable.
2.39
